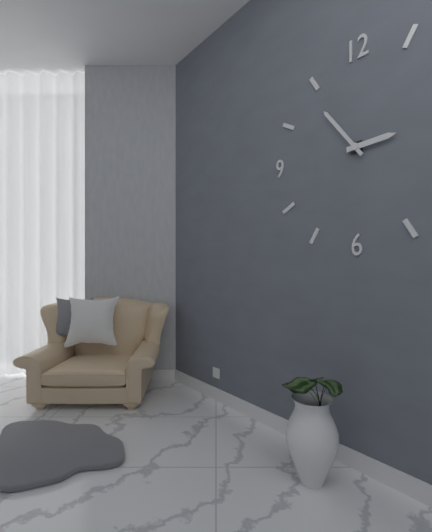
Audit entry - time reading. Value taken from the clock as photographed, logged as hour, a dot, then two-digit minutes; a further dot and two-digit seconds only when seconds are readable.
2.54
